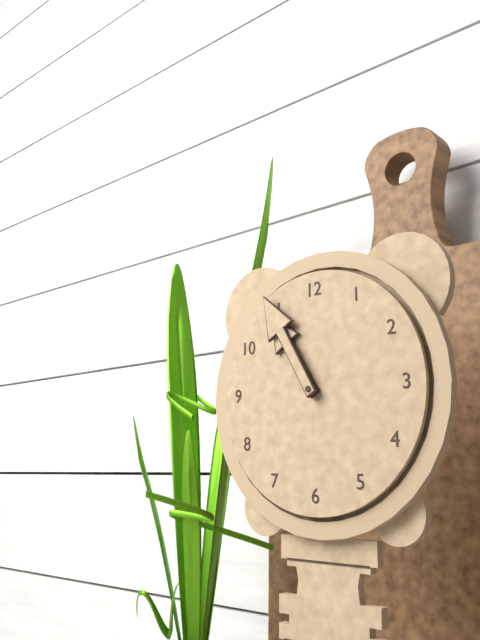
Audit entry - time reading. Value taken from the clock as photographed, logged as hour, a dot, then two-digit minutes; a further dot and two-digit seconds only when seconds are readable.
10.55
